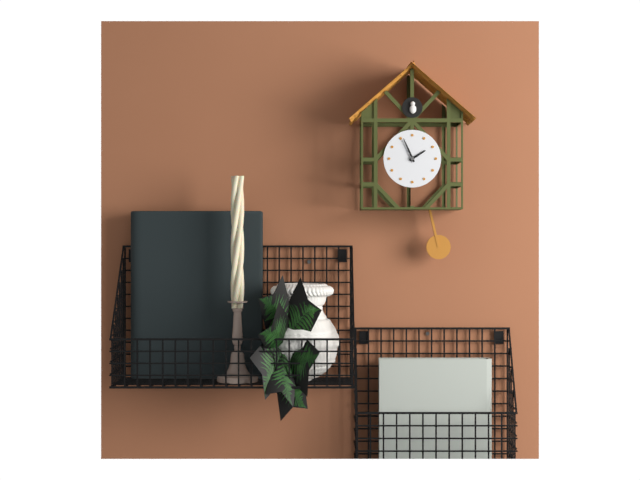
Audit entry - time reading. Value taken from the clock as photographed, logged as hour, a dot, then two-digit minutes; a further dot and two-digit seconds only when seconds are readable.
1.56
